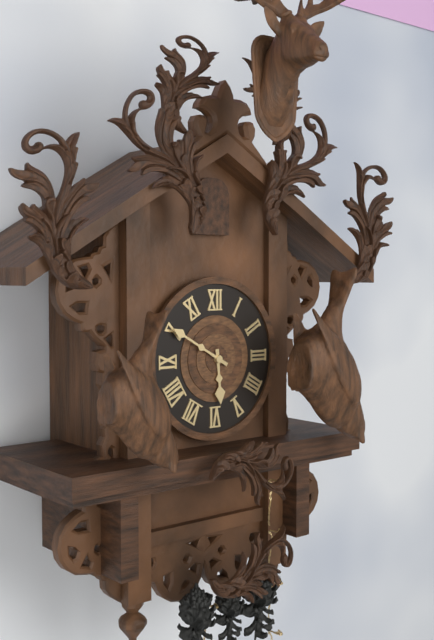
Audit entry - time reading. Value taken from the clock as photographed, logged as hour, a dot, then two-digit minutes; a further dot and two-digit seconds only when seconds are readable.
5.50
